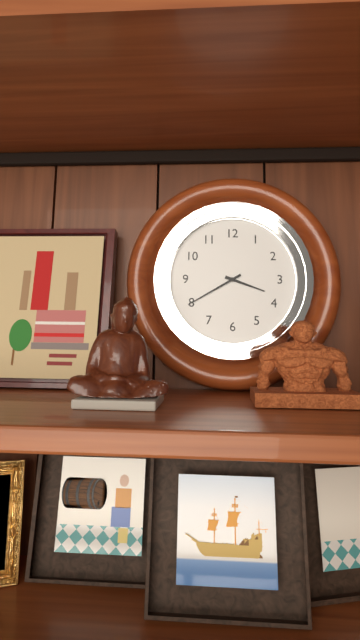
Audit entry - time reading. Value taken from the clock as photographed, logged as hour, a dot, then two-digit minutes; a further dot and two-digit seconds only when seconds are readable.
3.40
